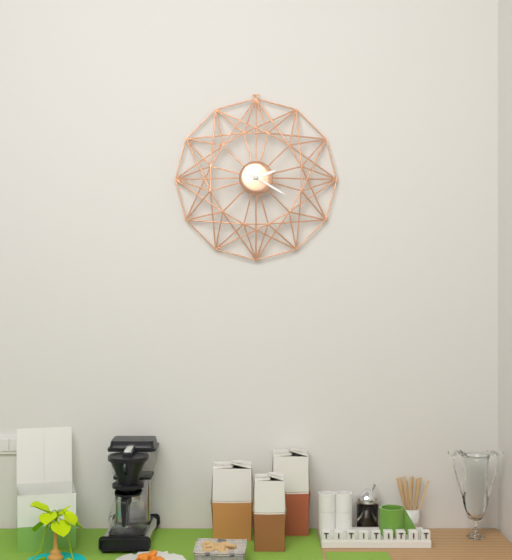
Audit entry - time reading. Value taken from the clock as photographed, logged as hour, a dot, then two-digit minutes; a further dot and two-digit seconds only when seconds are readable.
2.20
